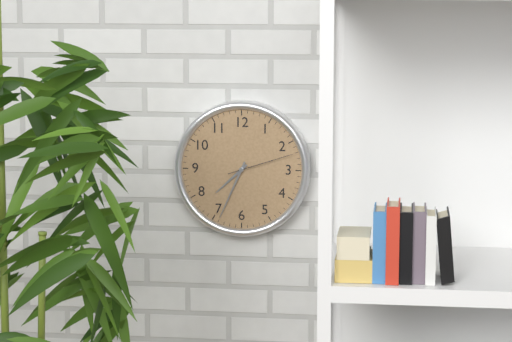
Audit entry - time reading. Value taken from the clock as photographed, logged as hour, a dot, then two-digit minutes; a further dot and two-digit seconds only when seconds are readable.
7.34.12
